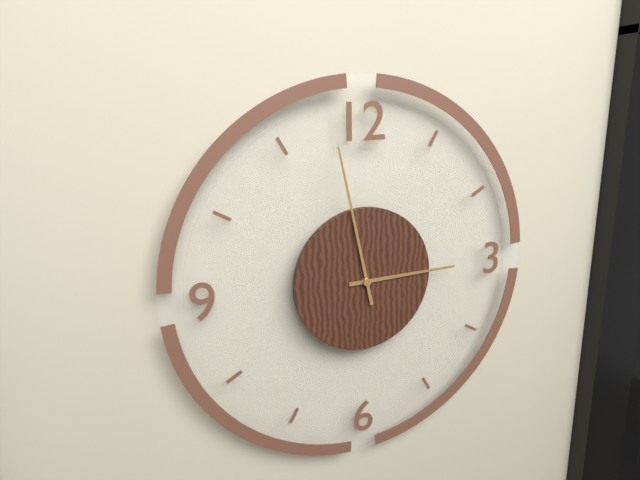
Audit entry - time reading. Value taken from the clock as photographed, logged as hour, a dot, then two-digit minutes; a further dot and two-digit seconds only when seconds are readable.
2.58
